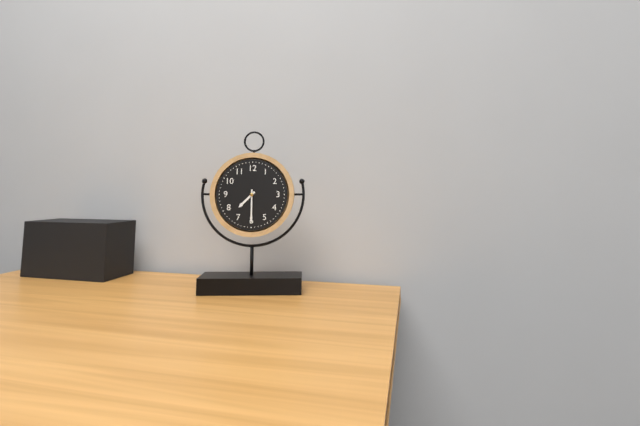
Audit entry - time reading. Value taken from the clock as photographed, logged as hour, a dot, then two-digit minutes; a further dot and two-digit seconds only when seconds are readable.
7.30
